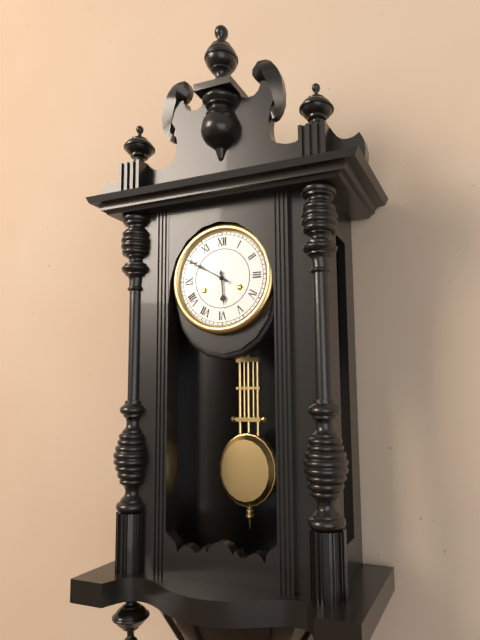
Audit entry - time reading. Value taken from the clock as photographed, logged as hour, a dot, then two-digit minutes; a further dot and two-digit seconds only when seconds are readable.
5.50
